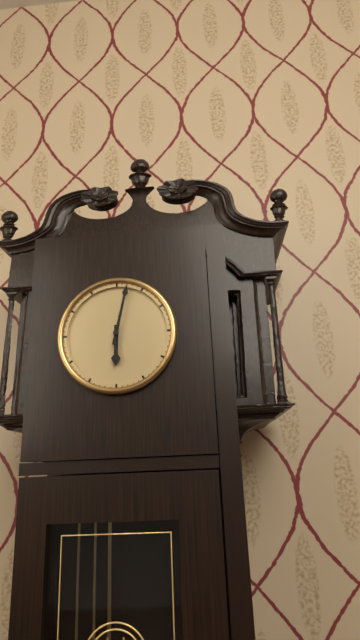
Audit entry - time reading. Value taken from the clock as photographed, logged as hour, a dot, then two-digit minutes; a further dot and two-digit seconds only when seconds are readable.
6.02
